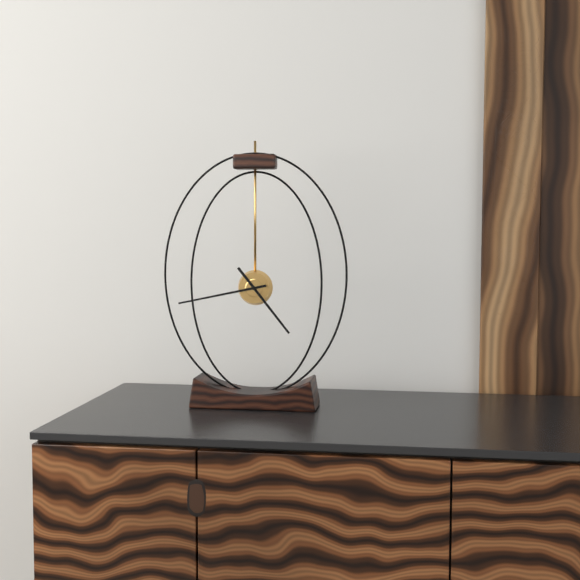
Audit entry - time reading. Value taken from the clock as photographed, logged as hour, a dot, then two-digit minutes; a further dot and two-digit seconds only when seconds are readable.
4.43
